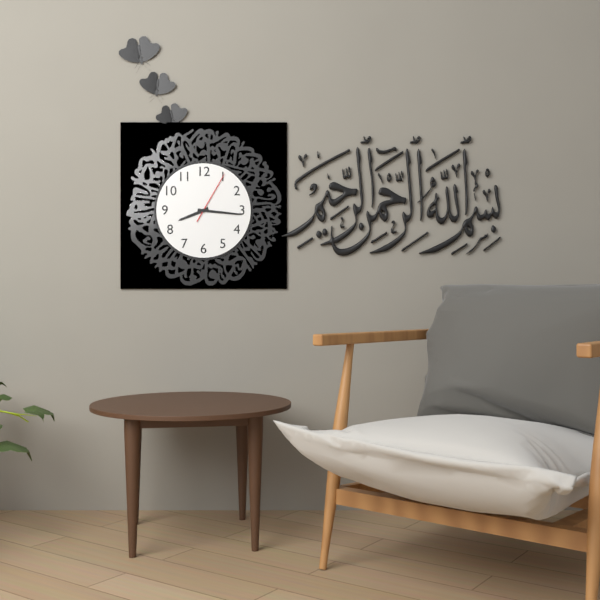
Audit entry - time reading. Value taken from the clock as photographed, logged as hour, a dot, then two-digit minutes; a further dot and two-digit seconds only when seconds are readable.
8.16.05
